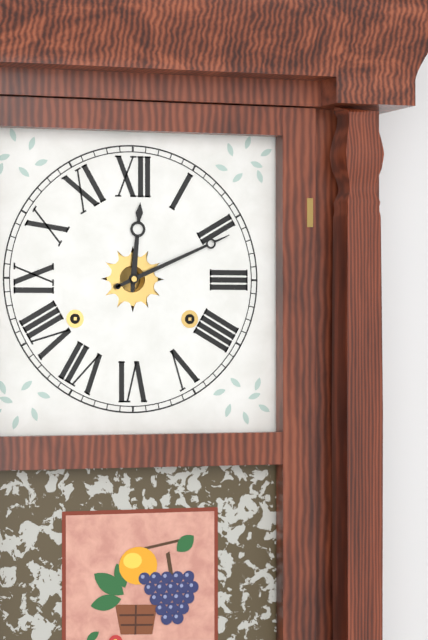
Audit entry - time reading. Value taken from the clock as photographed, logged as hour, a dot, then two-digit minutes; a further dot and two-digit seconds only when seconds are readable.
12.11
